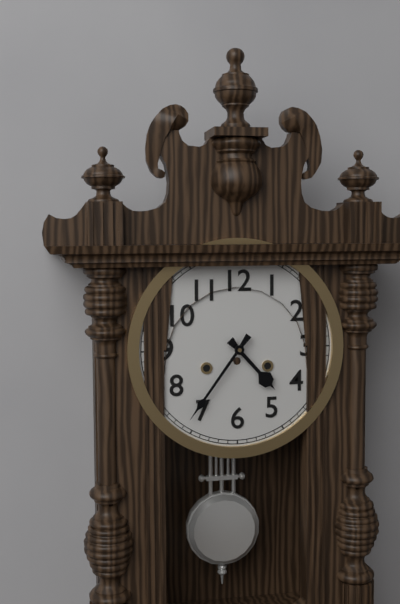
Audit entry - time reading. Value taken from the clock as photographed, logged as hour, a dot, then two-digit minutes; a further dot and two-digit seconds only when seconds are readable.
4.36
